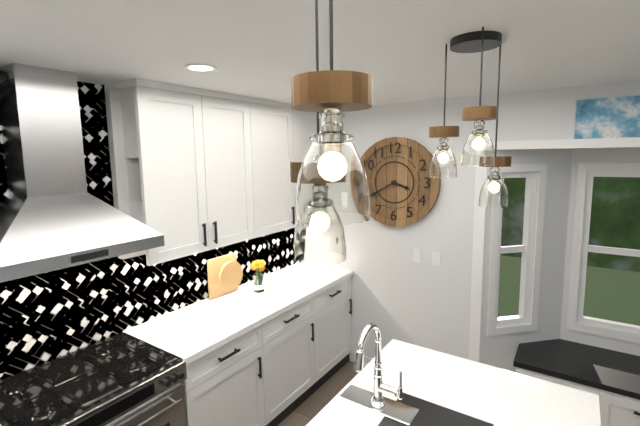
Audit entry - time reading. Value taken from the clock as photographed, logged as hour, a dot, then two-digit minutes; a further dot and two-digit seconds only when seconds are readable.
3.40
